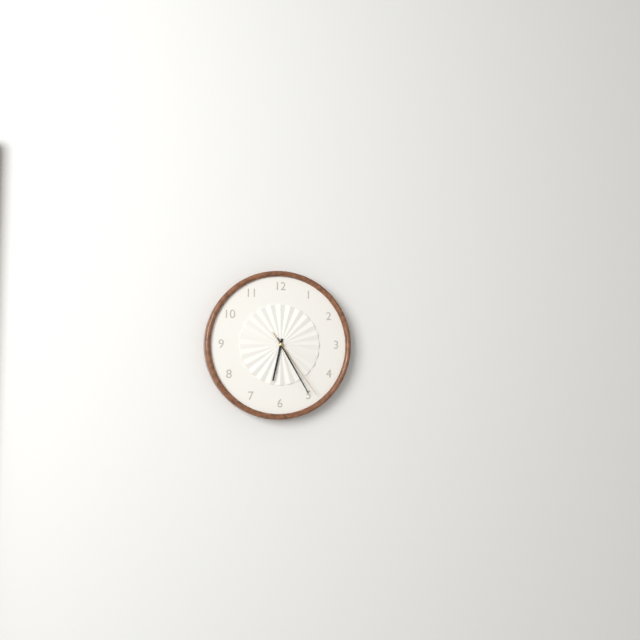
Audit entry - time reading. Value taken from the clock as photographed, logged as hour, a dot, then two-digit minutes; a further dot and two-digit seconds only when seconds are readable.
6.25.24
